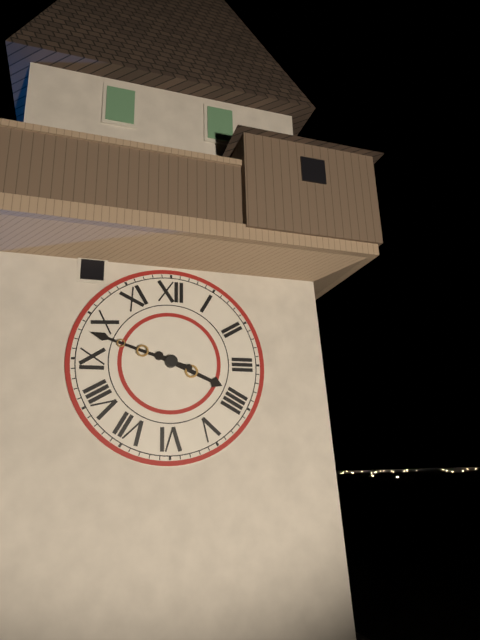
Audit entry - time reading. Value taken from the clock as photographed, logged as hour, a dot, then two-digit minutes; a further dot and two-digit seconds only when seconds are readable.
3.48
